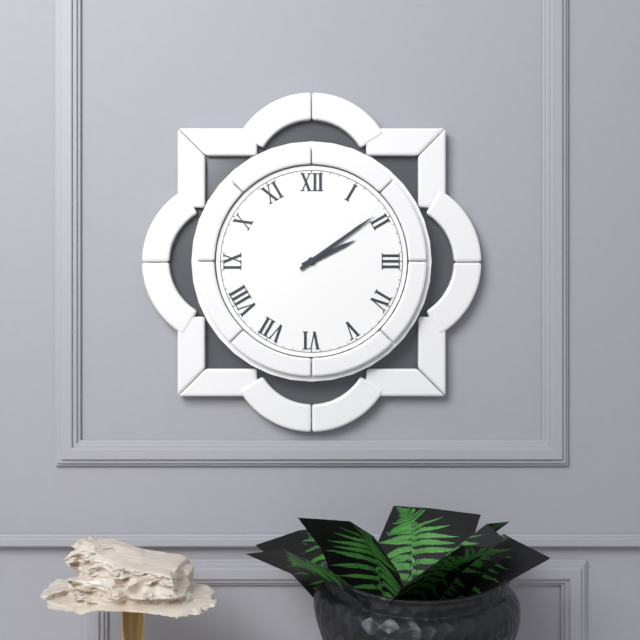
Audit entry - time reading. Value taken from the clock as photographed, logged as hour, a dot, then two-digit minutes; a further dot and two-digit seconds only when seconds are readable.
2.09
